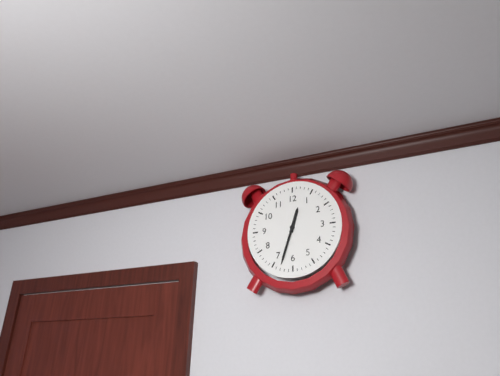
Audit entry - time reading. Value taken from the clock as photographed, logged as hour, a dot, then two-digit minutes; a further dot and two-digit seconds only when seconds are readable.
12.33
